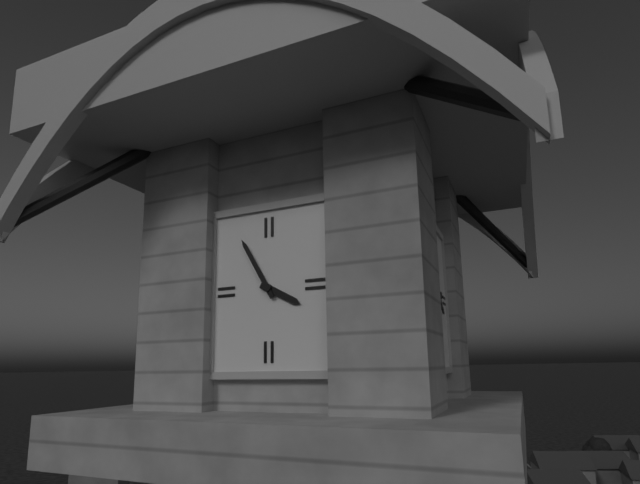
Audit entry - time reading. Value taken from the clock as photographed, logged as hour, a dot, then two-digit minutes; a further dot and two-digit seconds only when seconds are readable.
3.55
